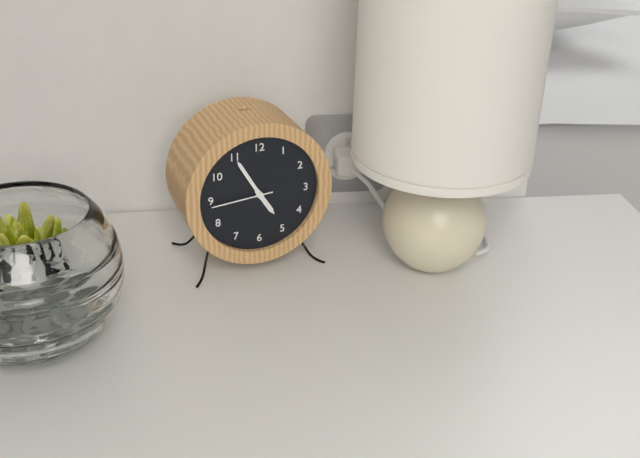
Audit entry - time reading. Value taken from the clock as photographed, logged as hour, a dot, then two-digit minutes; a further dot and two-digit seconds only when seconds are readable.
4.55.44
